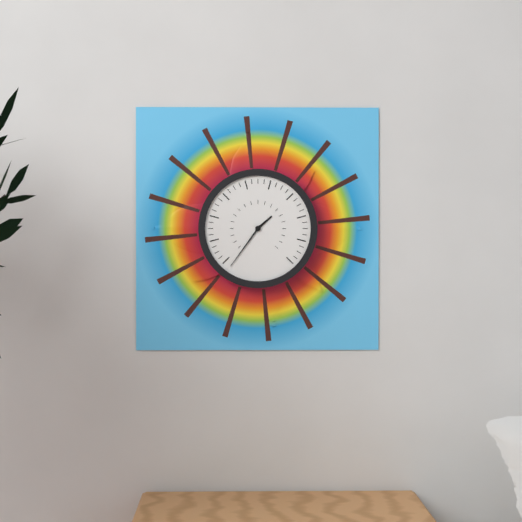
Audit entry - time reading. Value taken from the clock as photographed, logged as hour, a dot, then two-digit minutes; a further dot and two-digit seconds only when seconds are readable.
1.36
